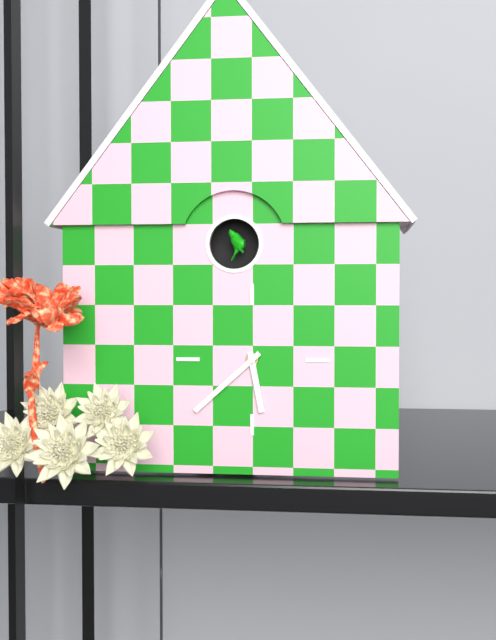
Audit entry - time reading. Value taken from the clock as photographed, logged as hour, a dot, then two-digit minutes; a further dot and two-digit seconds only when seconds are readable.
5.38
